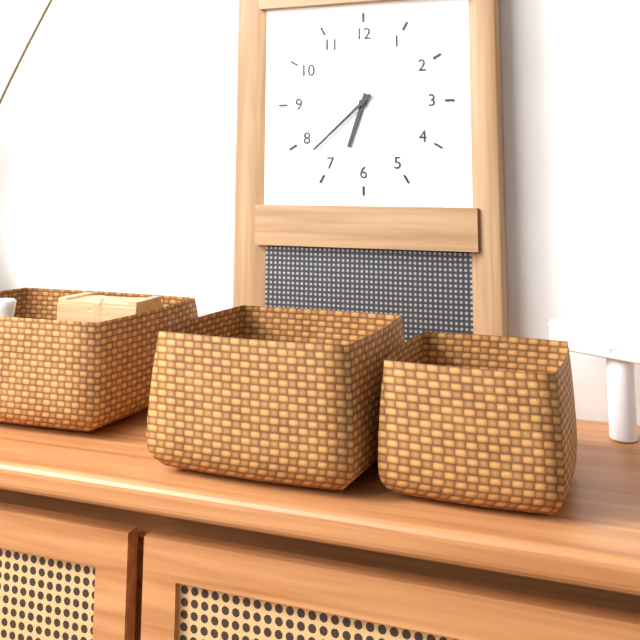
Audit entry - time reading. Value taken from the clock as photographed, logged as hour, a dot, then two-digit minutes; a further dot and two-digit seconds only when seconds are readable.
6.38
